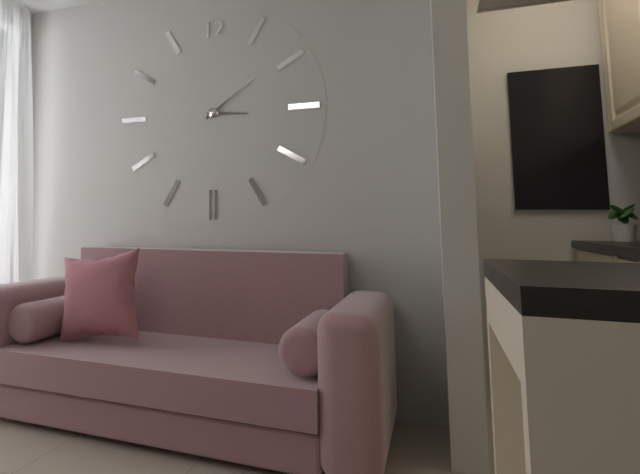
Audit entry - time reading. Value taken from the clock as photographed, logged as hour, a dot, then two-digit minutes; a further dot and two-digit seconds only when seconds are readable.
3.09
